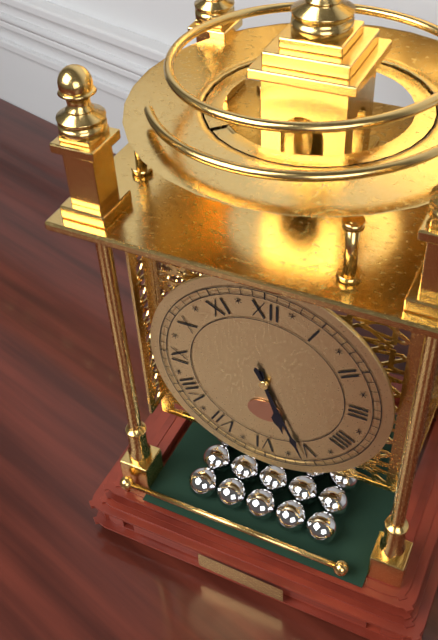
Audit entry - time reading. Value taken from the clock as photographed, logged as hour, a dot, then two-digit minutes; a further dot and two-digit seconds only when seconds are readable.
5.26
